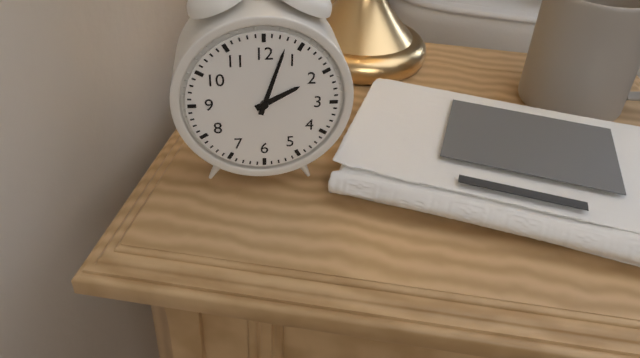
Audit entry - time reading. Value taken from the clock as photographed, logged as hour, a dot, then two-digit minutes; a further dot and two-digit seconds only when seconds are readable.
2.03
